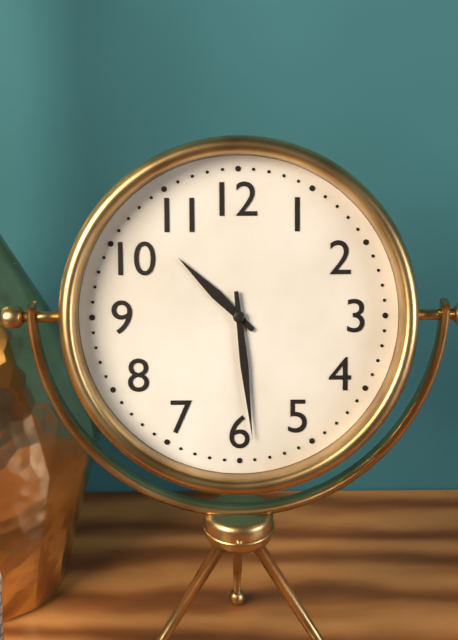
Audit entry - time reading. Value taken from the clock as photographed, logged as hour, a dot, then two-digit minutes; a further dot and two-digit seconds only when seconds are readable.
10.29
